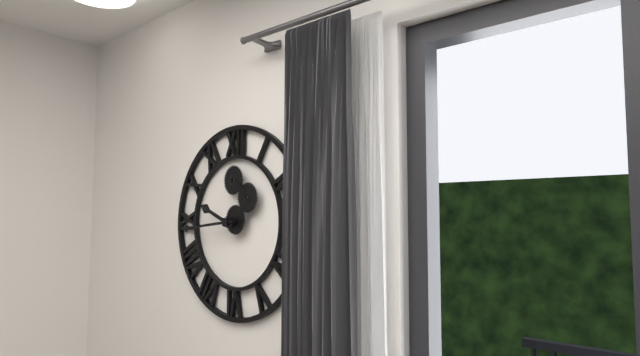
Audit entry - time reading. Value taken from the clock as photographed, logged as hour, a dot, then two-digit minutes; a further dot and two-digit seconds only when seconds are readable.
9.44
